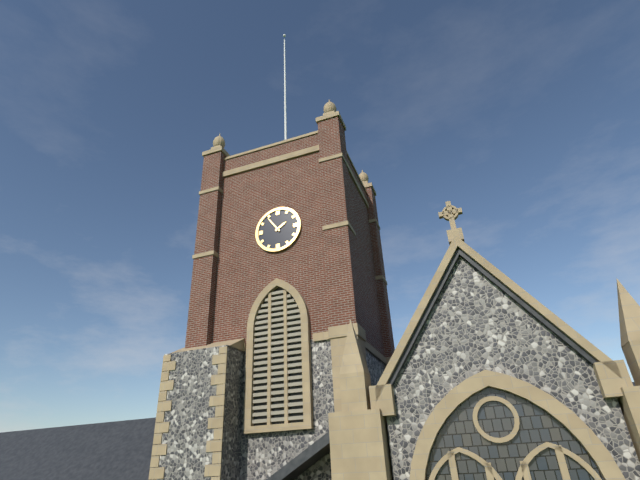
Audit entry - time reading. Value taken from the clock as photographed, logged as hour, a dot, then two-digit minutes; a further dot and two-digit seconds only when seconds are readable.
1.54
